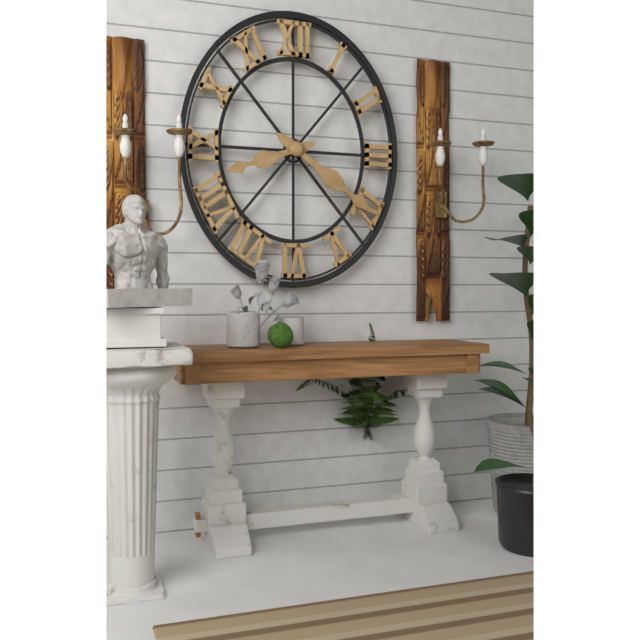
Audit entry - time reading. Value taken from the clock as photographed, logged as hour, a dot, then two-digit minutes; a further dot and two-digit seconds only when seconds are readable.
8.21
